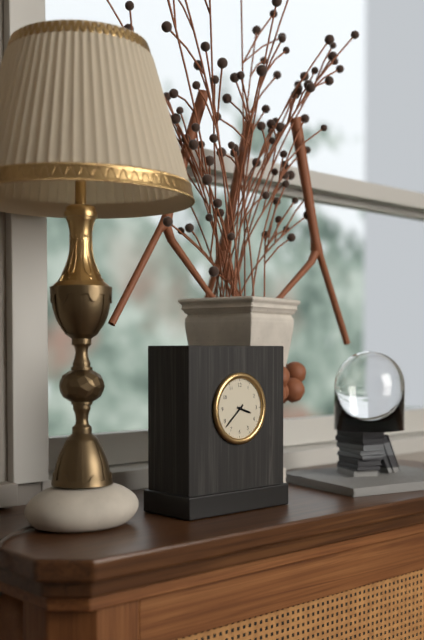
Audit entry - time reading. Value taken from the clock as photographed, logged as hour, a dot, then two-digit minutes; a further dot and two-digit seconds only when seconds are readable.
3.38
